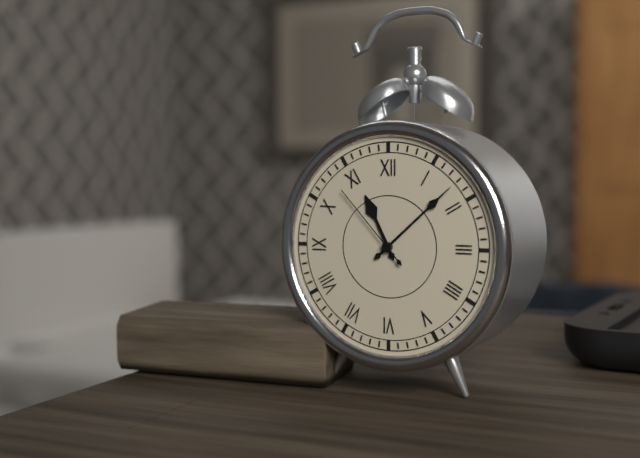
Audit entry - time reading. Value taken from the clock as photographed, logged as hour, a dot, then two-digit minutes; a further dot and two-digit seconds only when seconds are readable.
11.08.53
